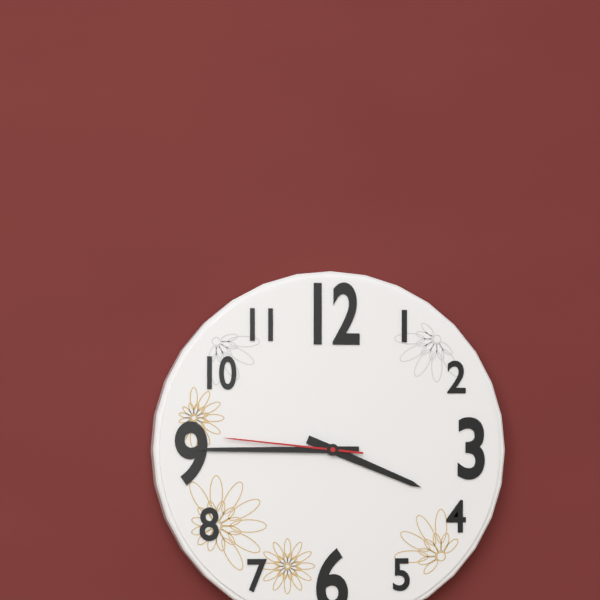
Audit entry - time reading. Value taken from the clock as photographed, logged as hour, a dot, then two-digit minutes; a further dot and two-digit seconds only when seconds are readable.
3.45.46
